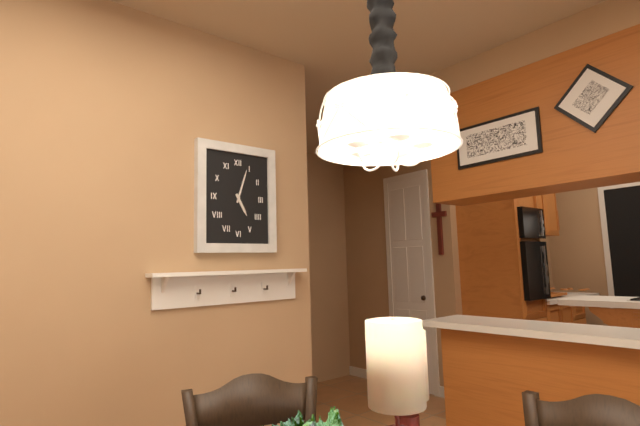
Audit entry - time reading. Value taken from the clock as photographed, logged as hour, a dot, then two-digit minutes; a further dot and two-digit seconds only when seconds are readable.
5.03
